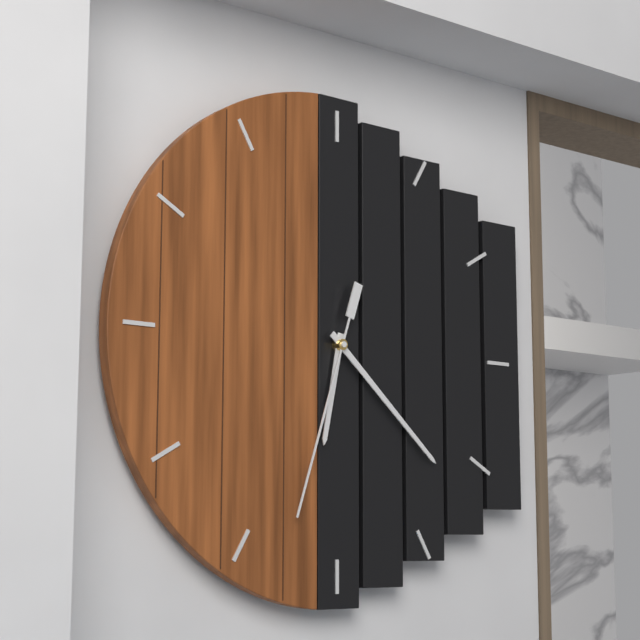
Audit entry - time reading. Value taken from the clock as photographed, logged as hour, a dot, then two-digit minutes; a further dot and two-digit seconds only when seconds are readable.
6.22.33
